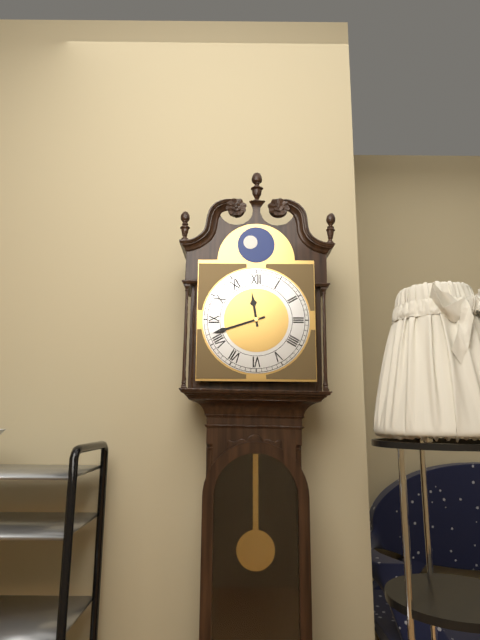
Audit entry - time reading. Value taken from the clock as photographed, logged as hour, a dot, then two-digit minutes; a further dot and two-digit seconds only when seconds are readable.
11.42
